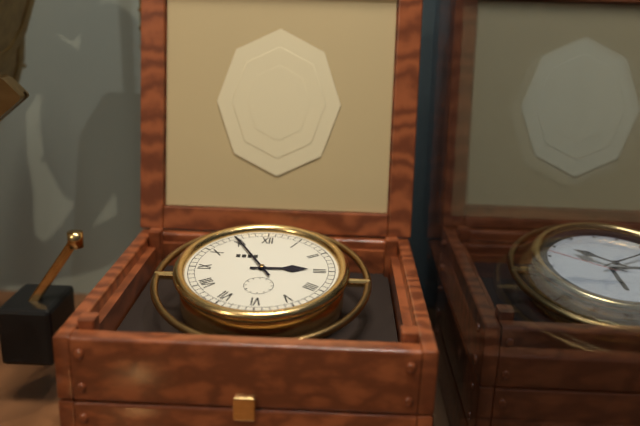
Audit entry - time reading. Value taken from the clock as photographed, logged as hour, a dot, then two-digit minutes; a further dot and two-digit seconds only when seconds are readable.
2.55
